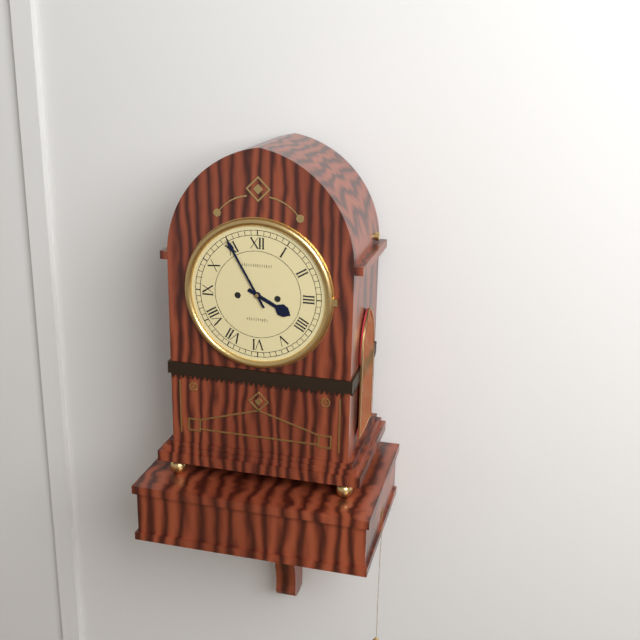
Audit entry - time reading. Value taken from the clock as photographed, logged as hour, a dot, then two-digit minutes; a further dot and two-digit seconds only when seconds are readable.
3.55
